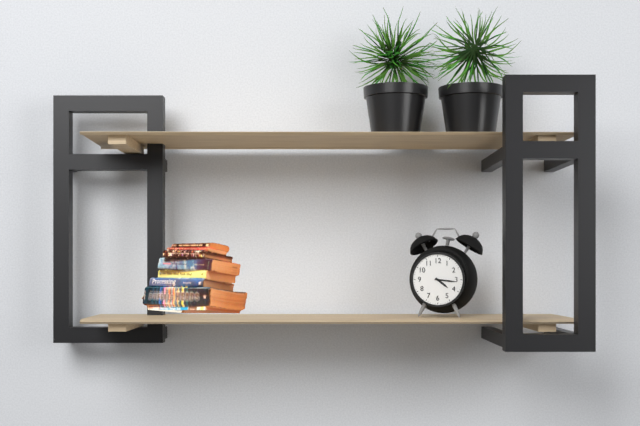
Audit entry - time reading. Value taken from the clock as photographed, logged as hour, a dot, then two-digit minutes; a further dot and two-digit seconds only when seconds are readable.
4.16
